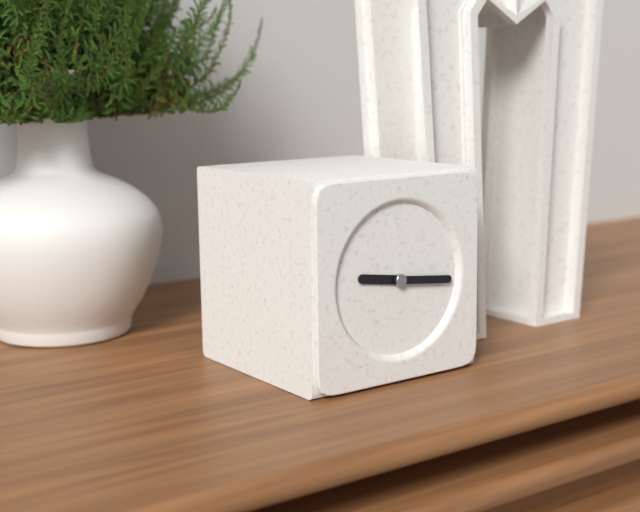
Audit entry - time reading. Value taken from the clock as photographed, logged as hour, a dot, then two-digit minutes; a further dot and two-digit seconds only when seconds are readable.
9.16
